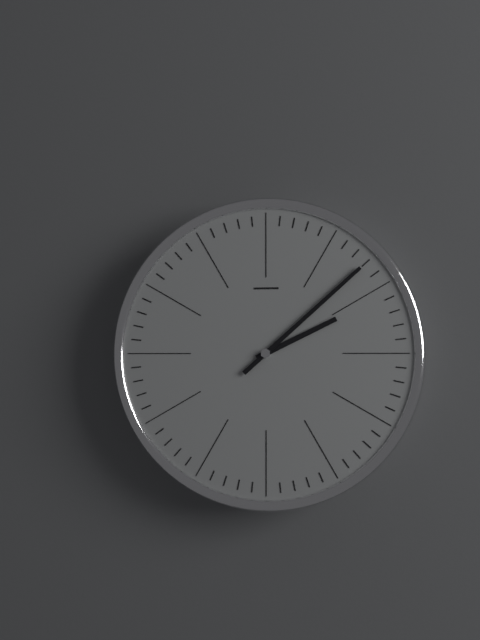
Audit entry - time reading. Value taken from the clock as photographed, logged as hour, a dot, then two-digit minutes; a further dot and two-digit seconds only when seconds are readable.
2.08
